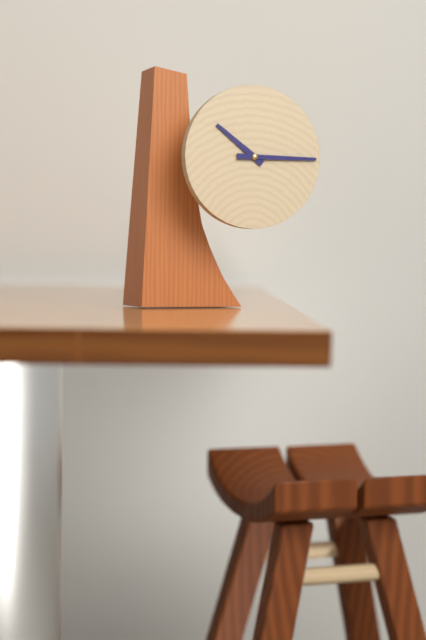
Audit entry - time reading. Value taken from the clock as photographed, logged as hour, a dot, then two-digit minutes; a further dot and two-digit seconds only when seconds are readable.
10.15
